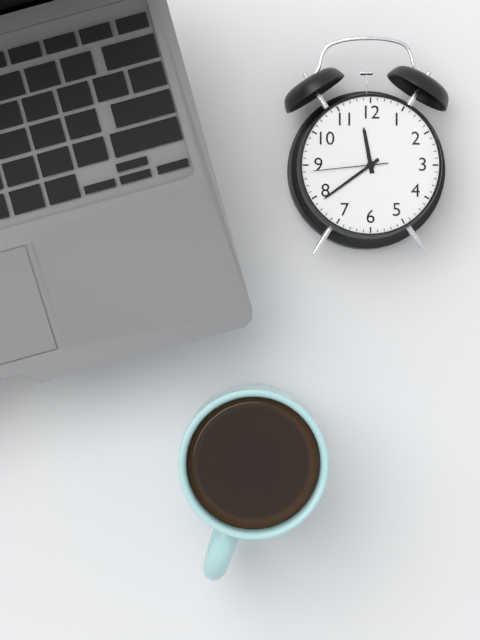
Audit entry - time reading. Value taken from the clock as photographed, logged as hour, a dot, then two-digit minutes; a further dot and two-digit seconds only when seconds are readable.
11.39.44
